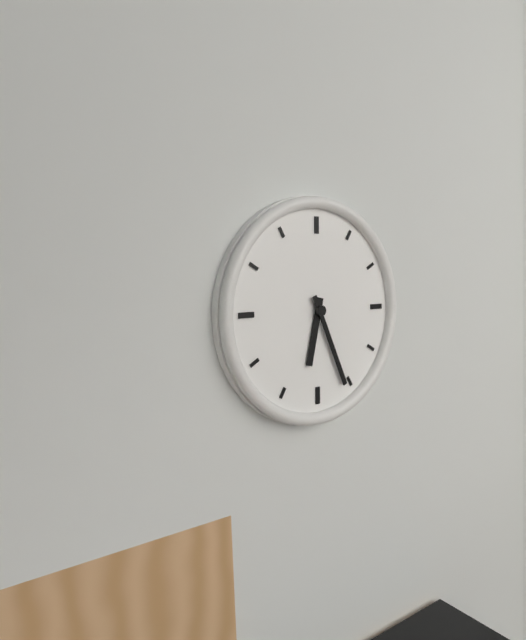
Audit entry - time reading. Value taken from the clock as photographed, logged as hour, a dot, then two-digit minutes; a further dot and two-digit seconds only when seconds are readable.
6.26
